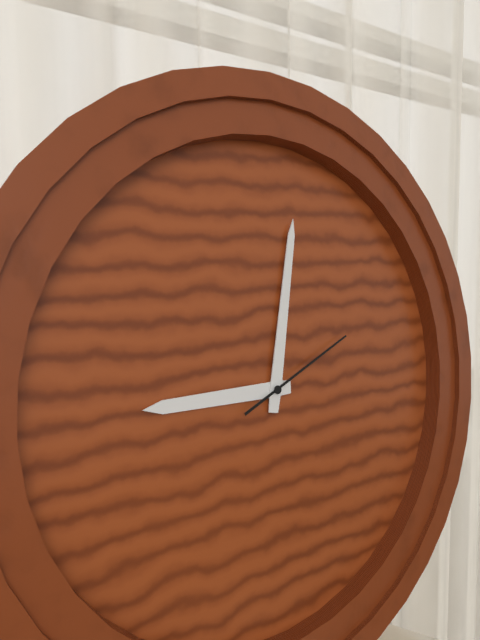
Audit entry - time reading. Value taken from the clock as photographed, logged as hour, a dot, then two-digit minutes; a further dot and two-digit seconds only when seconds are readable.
9.02.11
